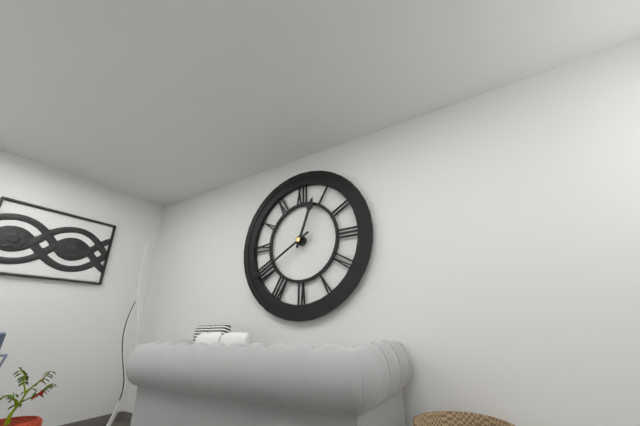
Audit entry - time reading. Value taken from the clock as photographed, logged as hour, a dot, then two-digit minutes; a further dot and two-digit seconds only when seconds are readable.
12.40
